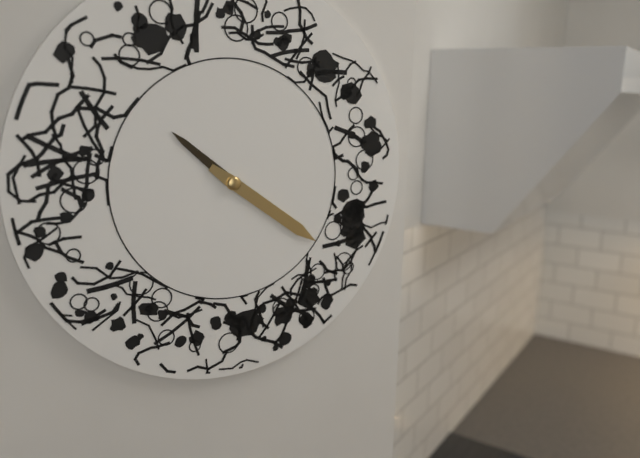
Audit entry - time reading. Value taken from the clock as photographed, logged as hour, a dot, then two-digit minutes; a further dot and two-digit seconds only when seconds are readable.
10.21
